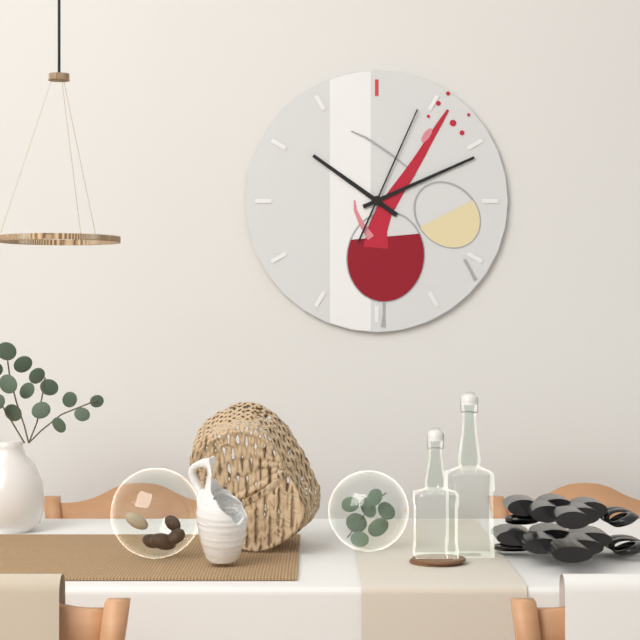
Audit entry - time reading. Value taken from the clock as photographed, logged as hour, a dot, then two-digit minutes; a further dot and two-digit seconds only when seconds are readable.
10.11.04
